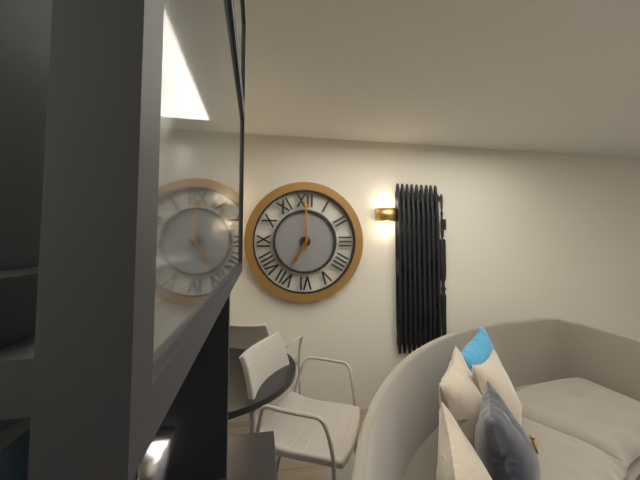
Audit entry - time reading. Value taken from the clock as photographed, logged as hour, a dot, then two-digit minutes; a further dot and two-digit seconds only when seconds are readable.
7.00
